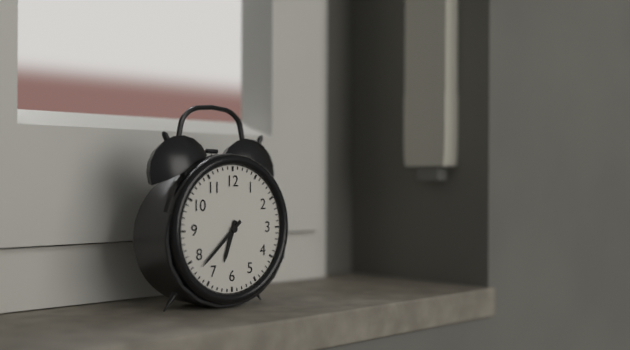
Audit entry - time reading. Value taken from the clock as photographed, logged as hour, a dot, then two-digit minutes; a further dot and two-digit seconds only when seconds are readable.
6.38
